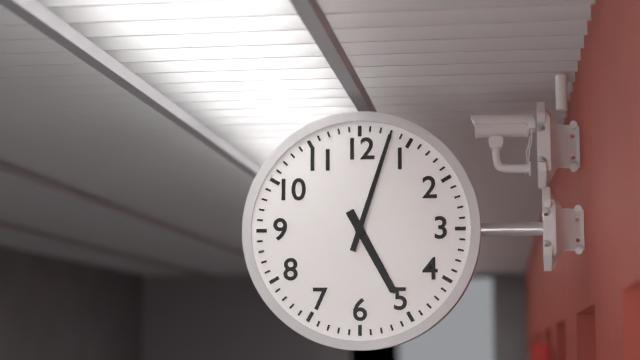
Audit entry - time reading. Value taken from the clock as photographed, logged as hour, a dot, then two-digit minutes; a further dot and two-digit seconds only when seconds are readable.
5.03
